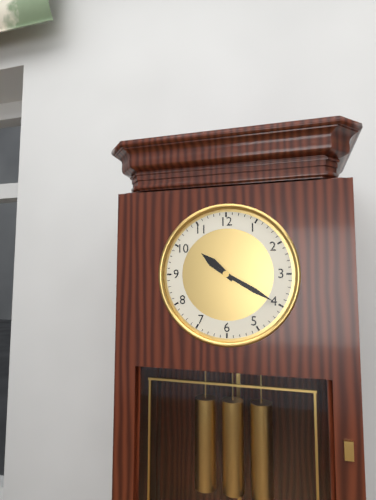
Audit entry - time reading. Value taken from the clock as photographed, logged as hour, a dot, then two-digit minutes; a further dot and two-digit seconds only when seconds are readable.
10.20
